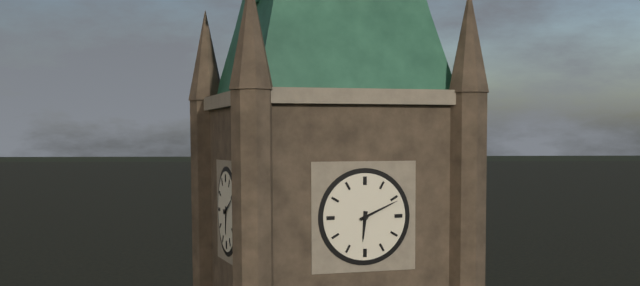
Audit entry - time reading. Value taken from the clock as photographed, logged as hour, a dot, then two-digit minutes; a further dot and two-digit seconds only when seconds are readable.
6.11
